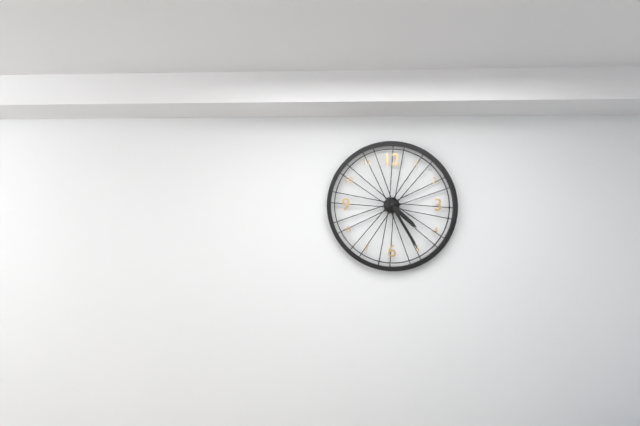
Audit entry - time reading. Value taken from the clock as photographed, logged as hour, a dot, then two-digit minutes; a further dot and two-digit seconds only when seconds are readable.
4.25
